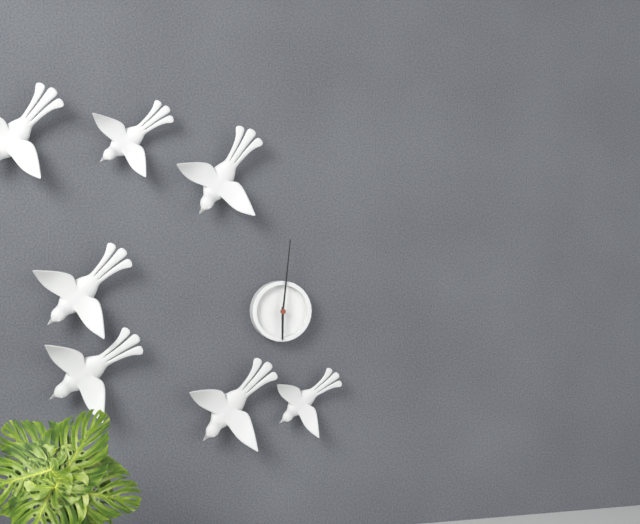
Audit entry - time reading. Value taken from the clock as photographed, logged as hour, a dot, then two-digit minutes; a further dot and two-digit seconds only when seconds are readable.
6.01
